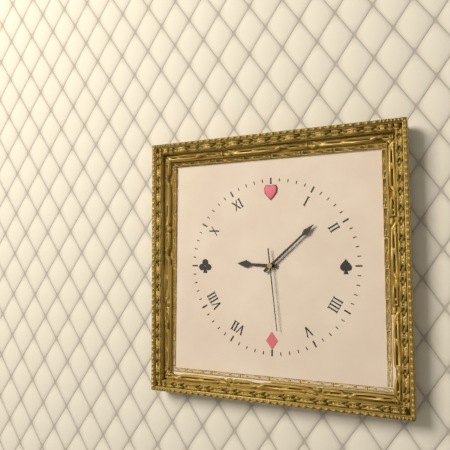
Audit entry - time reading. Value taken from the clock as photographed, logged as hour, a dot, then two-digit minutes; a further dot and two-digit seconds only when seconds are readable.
9.08.29
